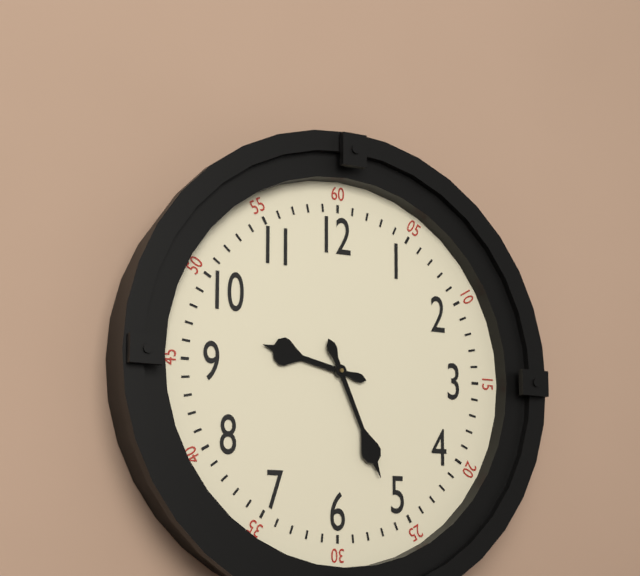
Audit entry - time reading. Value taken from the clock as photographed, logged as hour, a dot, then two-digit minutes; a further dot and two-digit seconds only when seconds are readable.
9.26
